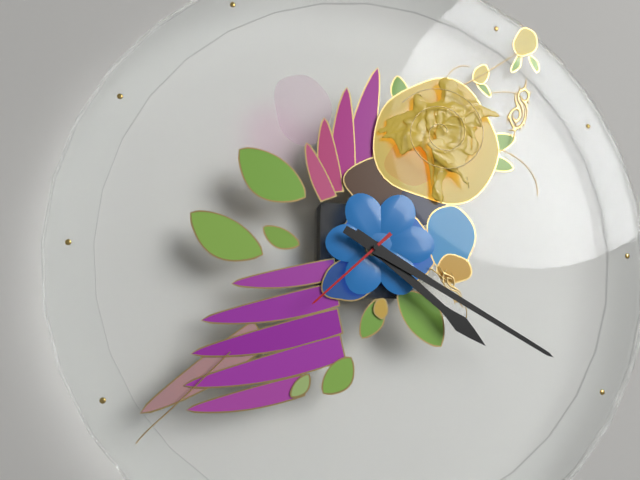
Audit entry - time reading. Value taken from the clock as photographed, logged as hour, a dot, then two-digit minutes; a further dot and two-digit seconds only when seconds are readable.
4.20.38
